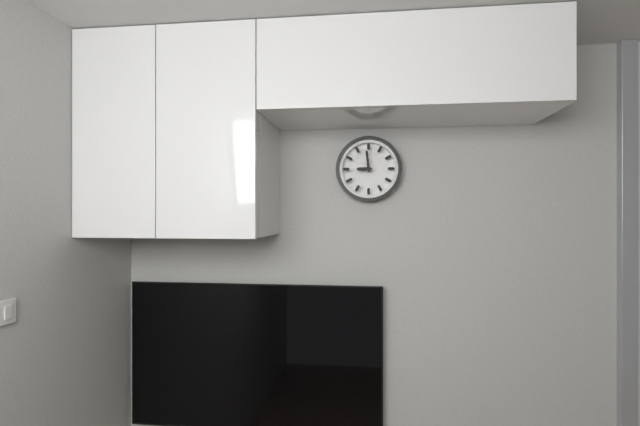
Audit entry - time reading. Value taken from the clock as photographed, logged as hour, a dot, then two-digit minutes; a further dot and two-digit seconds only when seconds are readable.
8.59
